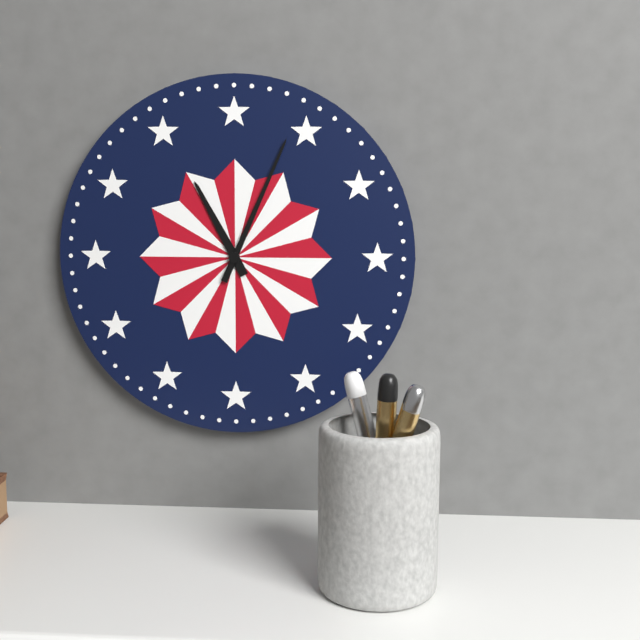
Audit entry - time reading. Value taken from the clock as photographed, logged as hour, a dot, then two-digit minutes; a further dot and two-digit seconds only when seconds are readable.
11.04
